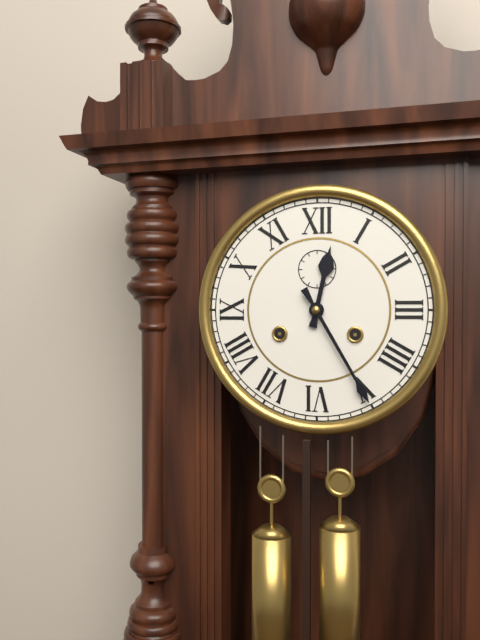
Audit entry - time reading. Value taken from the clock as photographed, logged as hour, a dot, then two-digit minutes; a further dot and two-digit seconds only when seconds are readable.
12.25
